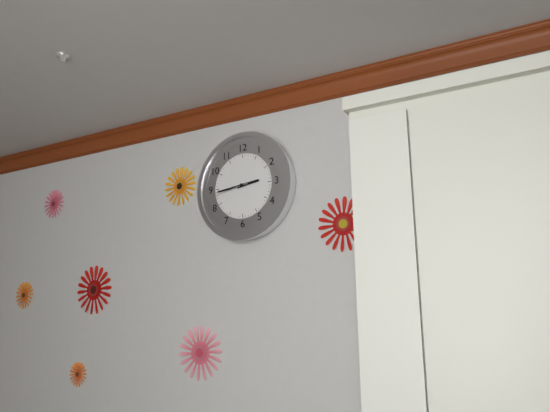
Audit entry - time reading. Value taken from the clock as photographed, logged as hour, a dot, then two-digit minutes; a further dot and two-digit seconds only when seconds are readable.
2.44
